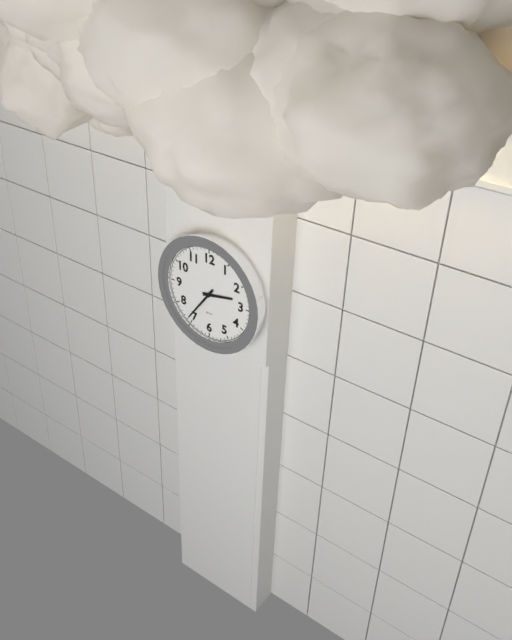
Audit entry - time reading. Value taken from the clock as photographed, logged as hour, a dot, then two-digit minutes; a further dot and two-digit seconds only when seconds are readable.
2.36
